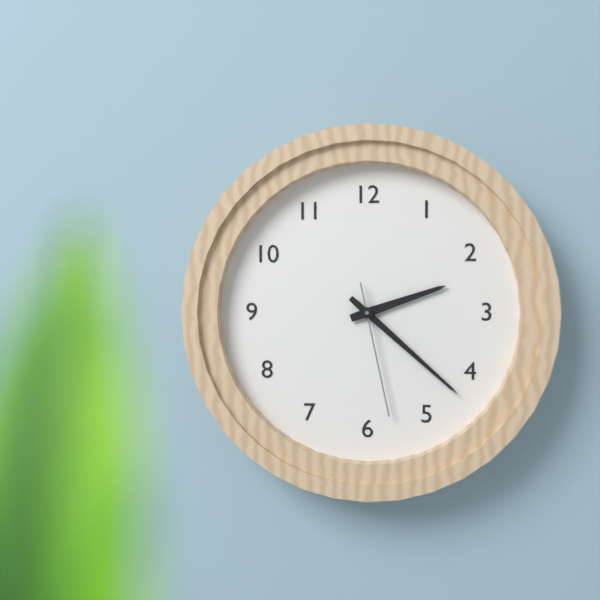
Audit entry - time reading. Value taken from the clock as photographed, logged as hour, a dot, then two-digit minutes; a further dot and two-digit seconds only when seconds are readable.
2.22.28
